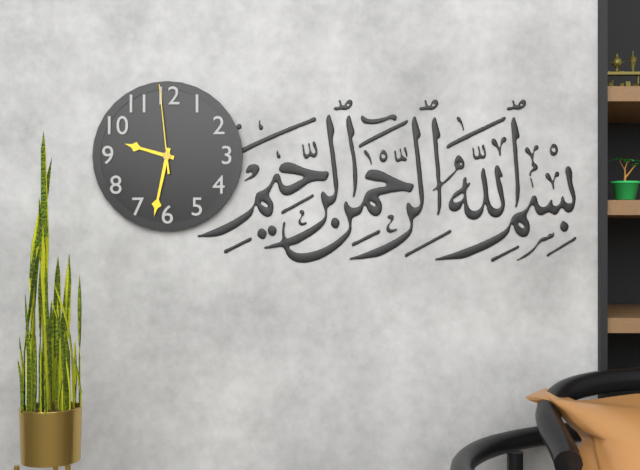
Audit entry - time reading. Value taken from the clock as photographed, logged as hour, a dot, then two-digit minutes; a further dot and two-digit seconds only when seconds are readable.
9.32.59
